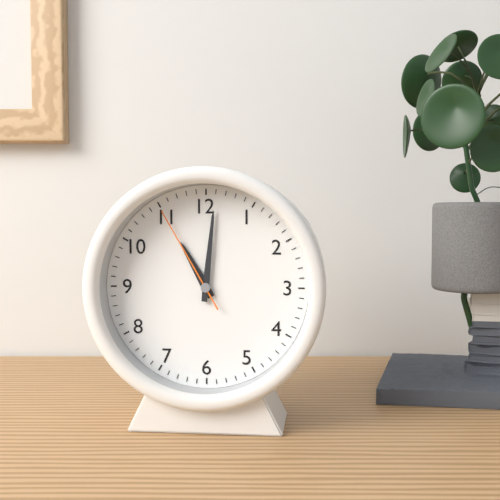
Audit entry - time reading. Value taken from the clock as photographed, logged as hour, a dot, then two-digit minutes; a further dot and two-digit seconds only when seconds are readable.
11.01.55
